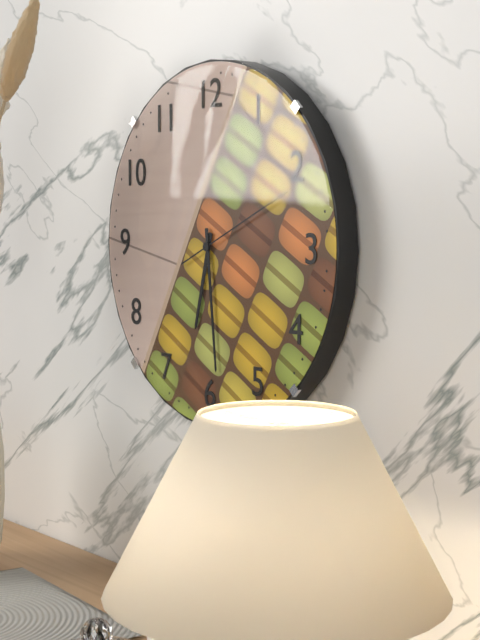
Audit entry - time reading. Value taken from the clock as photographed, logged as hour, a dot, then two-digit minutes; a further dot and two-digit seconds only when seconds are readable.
6.29.11
